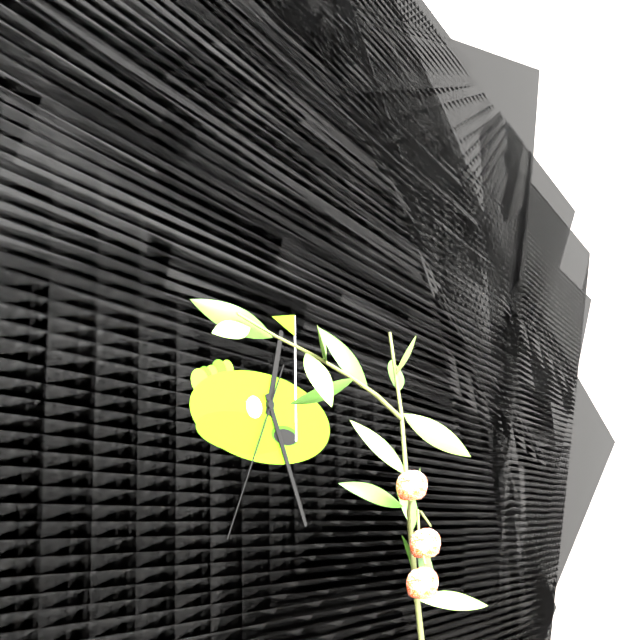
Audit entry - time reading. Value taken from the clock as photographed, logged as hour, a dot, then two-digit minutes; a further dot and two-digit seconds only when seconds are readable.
12.26.34
